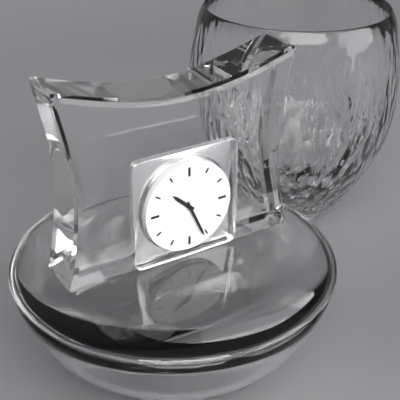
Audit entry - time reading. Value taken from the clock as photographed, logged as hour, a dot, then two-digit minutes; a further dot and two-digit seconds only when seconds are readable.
10.26
